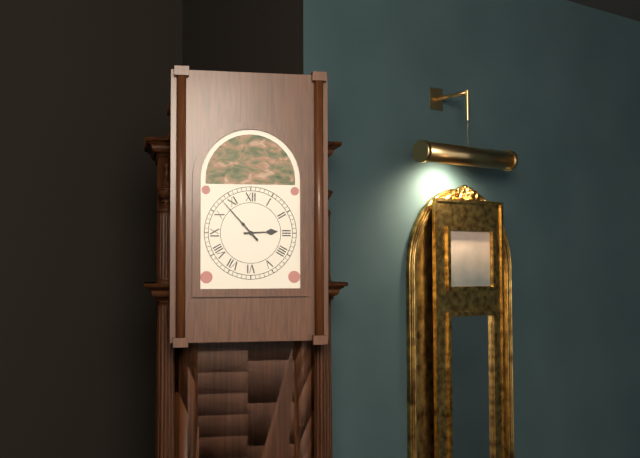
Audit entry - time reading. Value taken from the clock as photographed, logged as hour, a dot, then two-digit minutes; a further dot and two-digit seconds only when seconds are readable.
2.53
